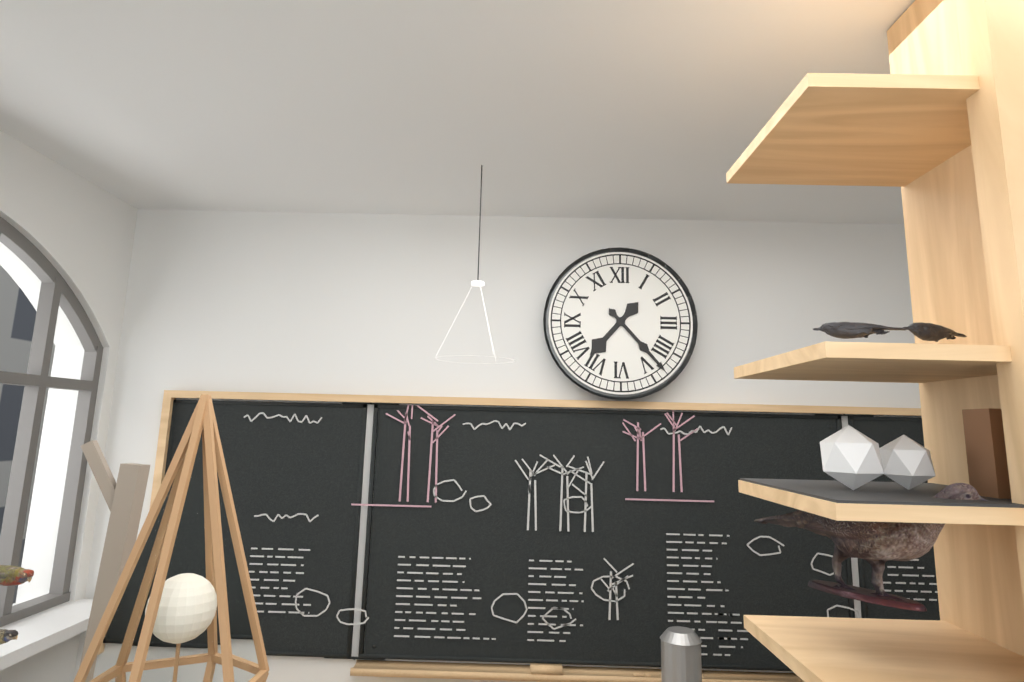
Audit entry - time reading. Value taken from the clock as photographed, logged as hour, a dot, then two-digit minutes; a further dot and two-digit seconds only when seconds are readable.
7.23
